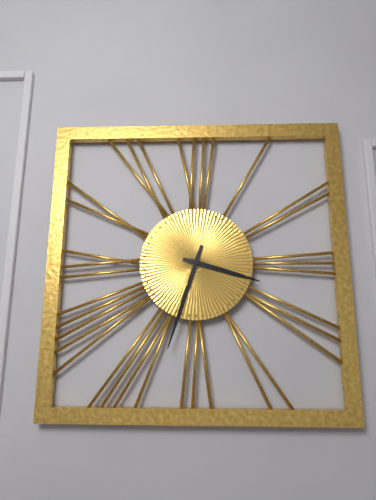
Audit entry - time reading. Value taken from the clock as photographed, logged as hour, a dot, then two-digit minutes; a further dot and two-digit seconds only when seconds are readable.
3.33
